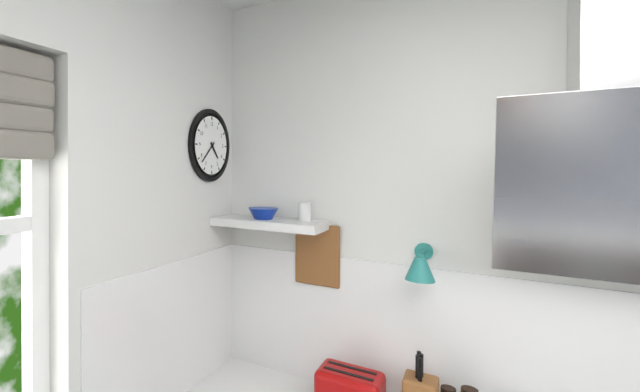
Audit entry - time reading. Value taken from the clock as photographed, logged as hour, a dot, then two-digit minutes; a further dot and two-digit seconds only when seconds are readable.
4.38
